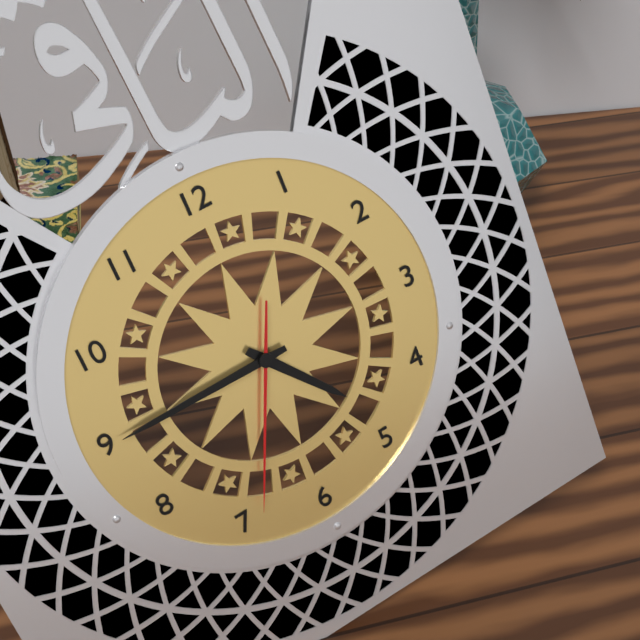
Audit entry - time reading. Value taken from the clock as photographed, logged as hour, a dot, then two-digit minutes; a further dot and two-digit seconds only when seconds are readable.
4.45.34
